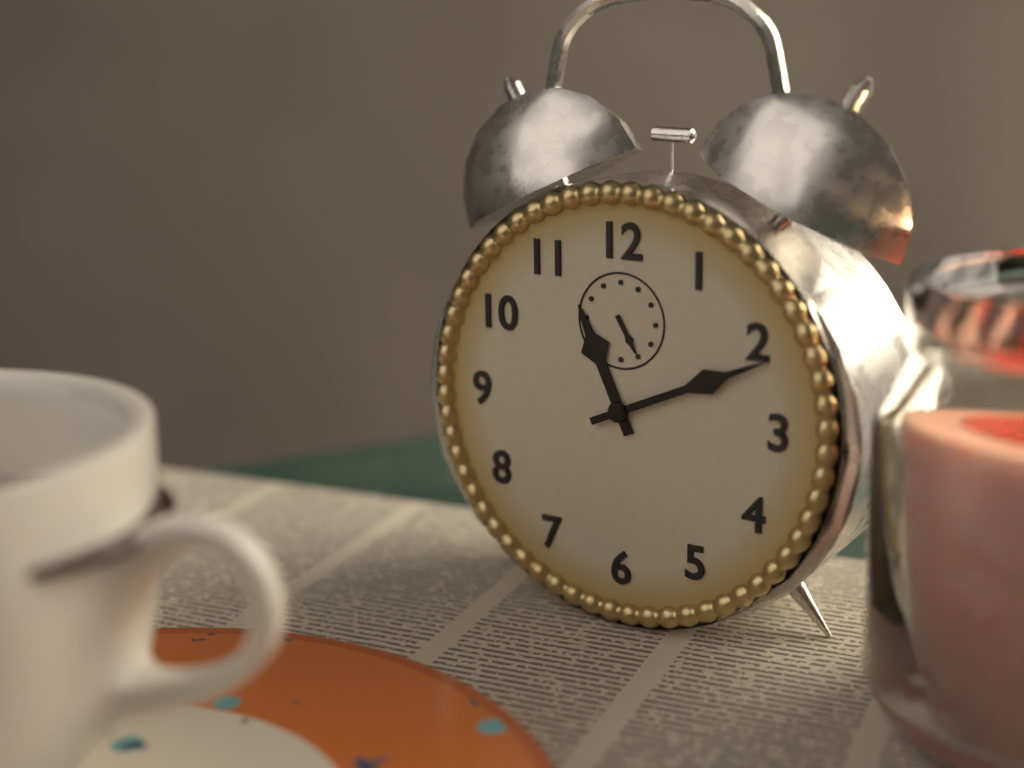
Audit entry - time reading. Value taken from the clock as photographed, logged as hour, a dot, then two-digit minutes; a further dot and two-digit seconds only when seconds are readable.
11.11
